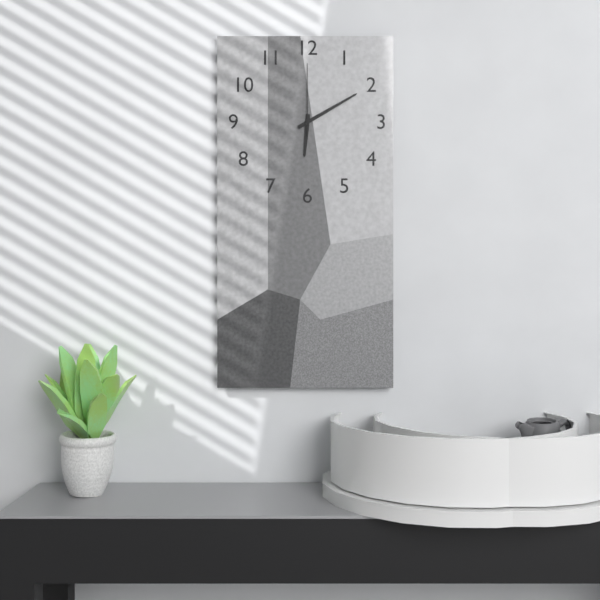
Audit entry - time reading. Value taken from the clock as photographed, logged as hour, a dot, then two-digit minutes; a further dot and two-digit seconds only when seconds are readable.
6.10.00
